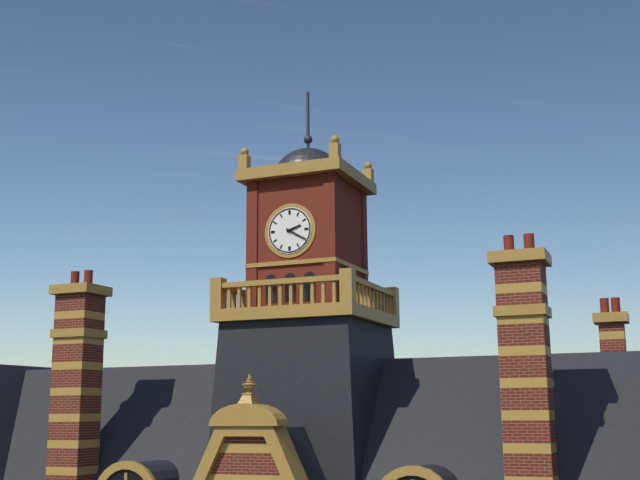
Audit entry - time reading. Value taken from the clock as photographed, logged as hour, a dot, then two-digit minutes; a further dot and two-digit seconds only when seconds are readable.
2.20
